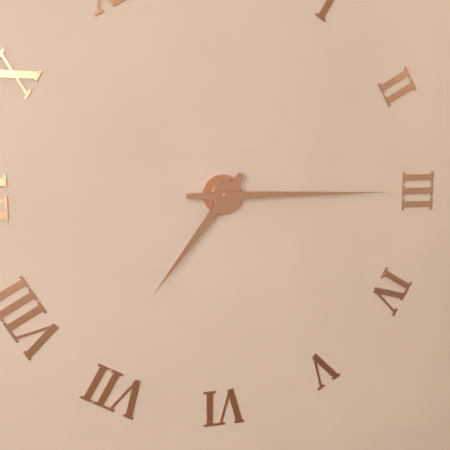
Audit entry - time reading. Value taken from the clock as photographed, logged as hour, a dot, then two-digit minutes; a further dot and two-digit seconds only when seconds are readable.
7.15
